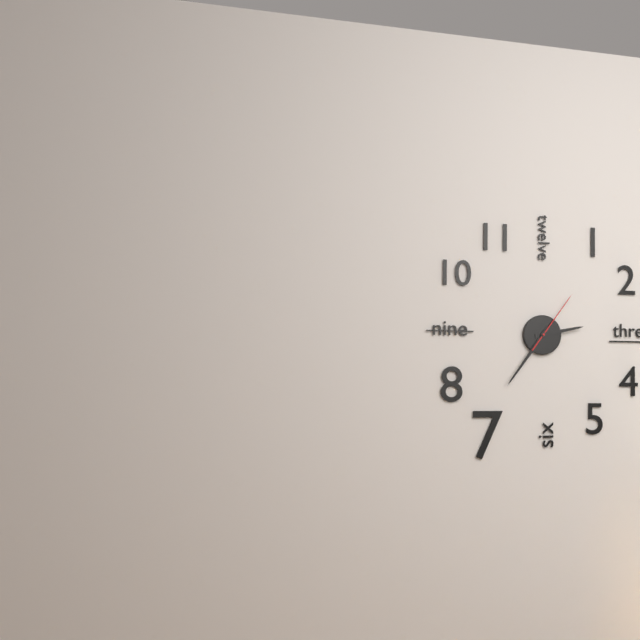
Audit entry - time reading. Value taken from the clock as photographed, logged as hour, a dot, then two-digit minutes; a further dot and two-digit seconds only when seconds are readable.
2.36.06
